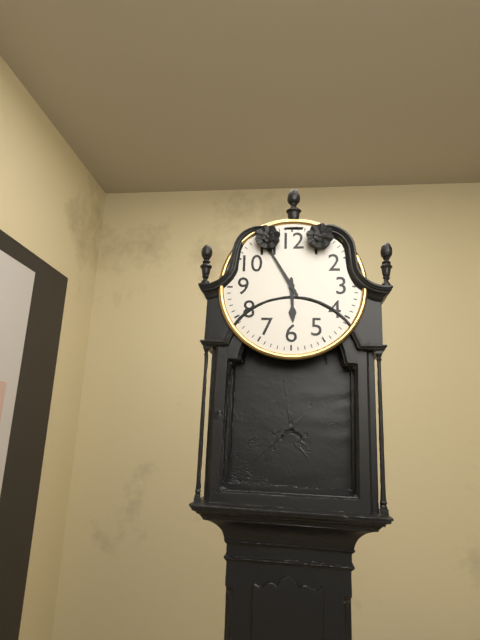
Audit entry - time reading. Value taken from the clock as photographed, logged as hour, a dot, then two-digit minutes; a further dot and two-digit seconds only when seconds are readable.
5.55
